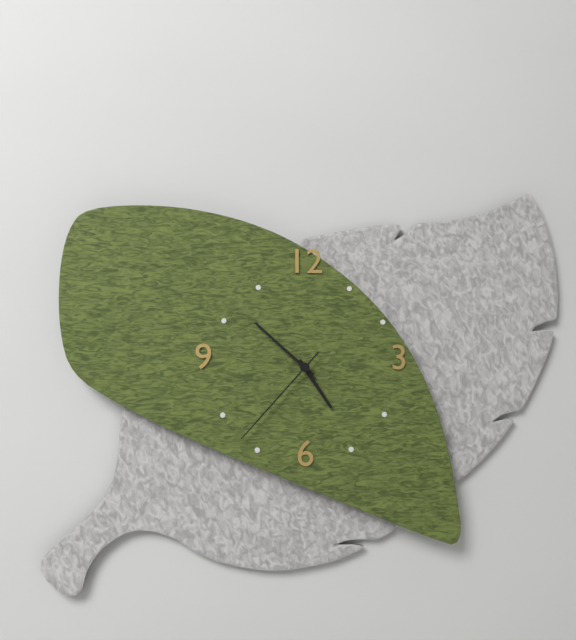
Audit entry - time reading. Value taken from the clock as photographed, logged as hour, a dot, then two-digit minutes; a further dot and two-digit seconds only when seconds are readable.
4.52.37
